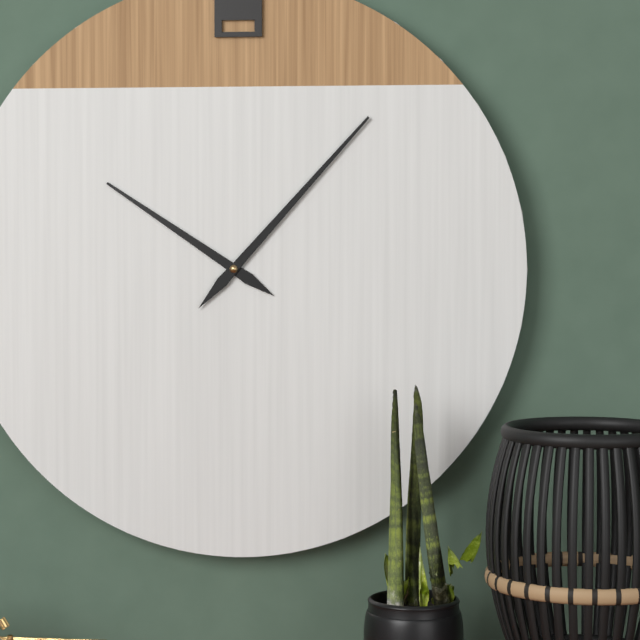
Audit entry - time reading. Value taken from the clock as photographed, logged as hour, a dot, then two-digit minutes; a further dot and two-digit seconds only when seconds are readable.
10.07
